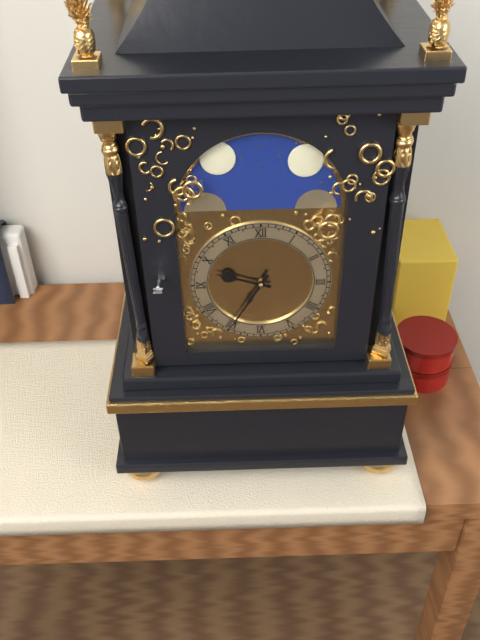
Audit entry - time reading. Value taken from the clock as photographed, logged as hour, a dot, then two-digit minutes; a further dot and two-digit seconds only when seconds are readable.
9.35
